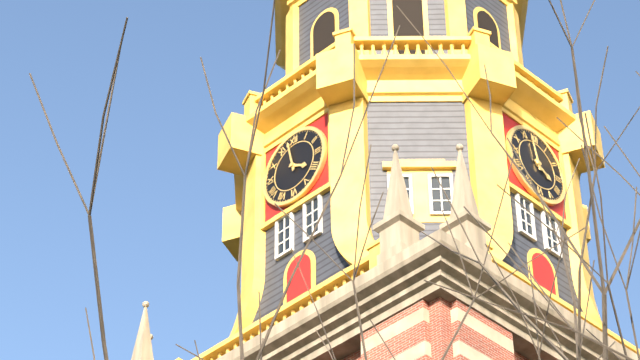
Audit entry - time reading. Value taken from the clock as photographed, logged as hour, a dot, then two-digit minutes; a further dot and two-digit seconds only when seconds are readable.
3.58
